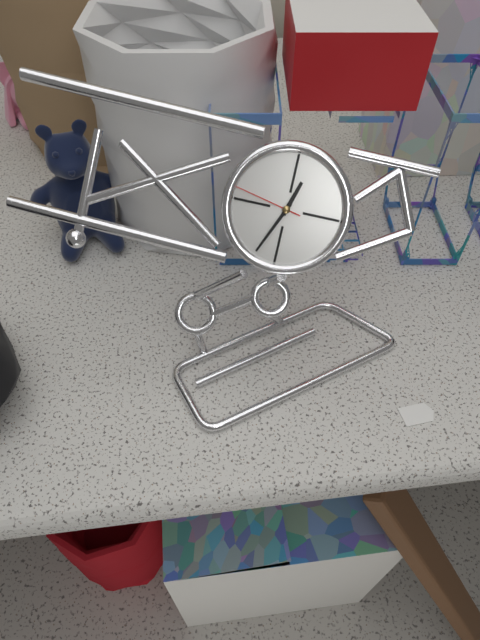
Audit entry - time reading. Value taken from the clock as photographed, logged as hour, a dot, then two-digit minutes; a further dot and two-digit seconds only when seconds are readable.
12.34.47
